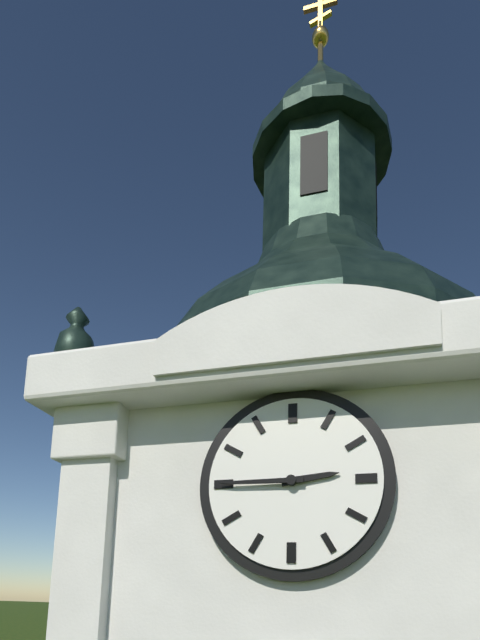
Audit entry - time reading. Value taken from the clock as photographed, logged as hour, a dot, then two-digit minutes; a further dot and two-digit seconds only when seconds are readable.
2.45
